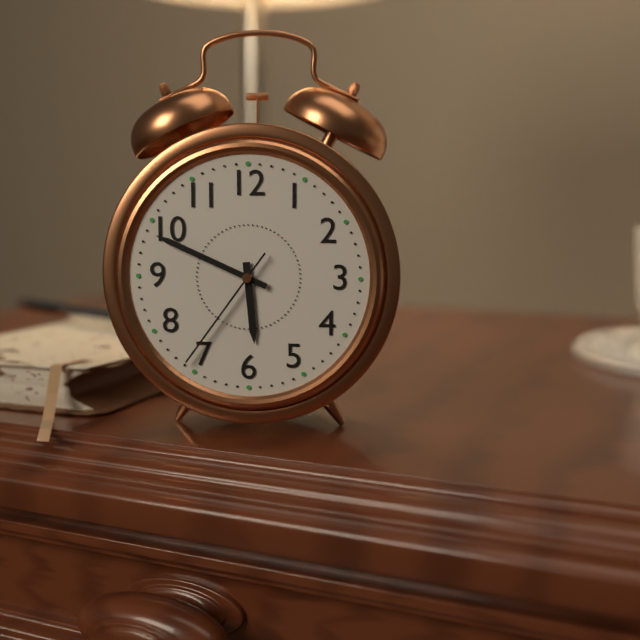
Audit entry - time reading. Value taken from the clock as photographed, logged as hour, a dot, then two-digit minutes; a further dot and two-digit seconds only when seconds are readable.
5.49.36
